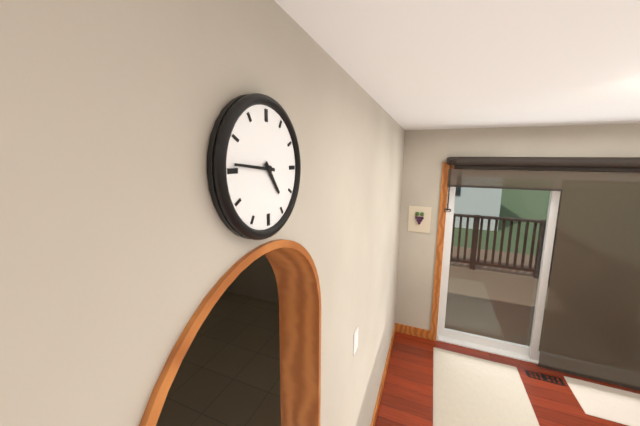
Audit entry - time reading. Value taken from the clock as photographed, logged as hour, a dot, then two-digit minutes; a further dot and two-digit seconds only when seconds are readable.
4.46
